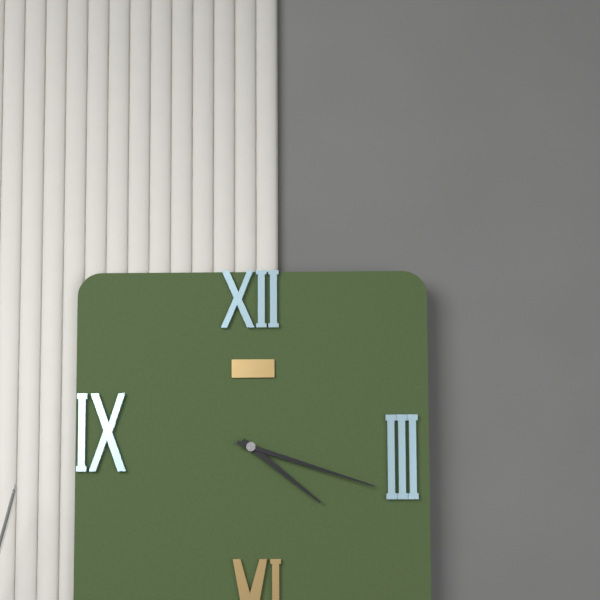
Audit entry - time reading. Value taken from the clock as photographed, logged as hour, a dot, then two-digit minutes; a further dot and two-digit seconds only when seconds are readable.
4.18
